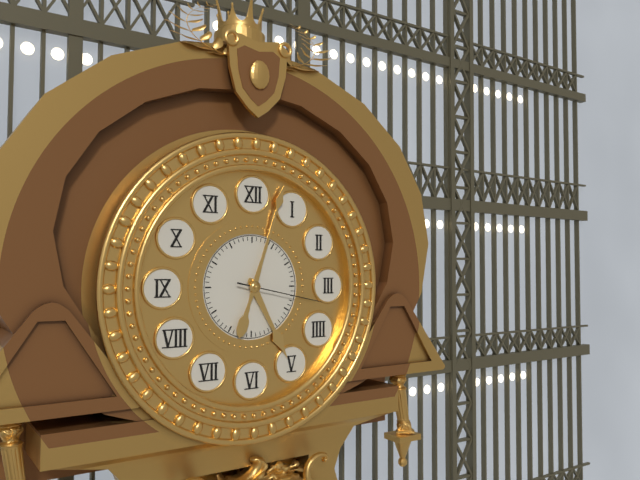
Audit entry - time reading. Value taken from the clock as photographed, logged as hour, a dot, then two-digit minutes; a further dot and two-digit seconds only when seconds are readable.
5.03.17
